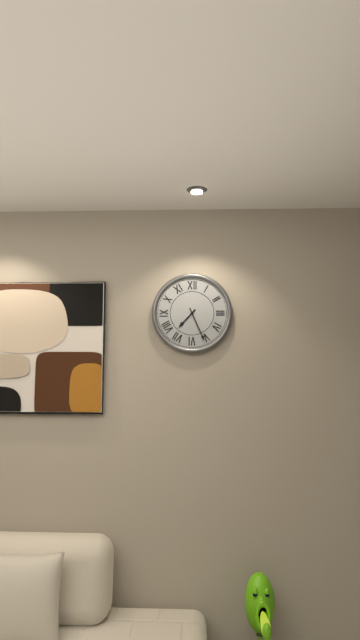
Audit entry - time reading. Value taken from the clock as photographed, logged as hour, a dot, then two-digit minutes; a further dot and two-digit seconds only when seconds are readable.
7.26
